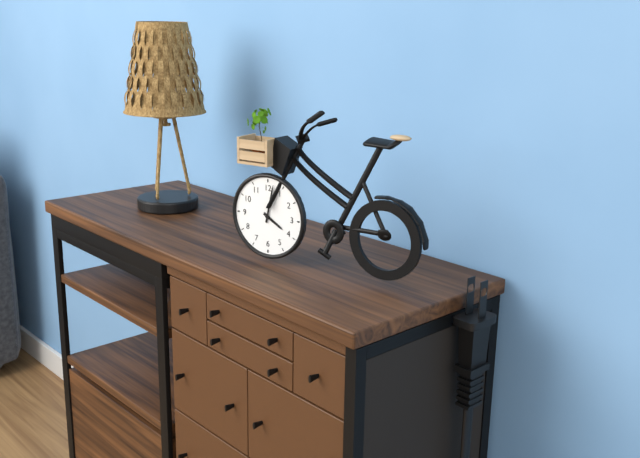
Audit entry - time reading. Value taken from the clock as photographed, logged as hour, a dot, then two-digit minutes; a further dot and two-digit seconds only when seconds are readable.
4.02
